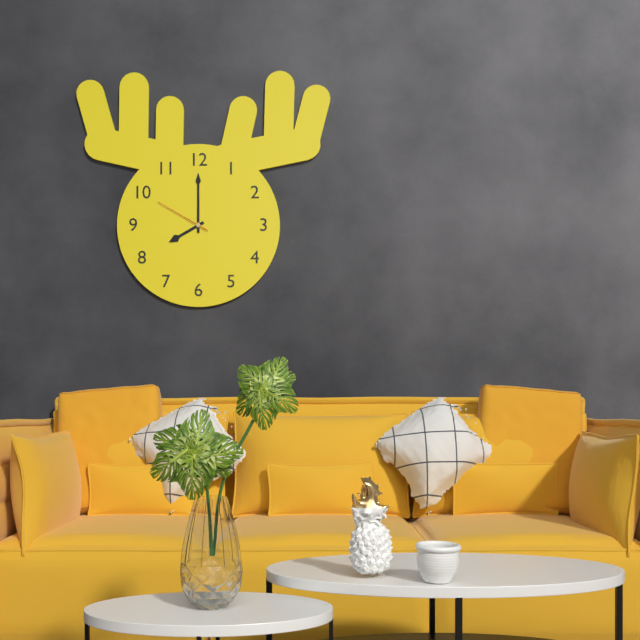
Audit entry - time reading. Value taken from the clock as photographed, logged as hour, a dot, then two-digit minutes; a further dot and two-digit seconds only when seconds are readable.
8.00.50
